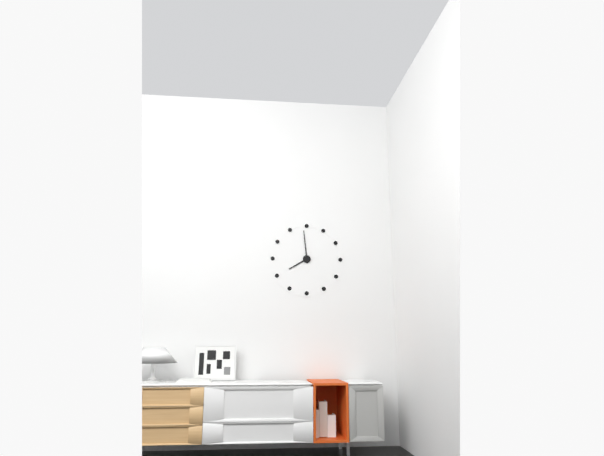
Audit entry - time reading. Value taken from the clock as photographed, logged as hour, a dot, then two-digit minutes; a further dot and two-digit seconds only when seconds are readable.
7.59
